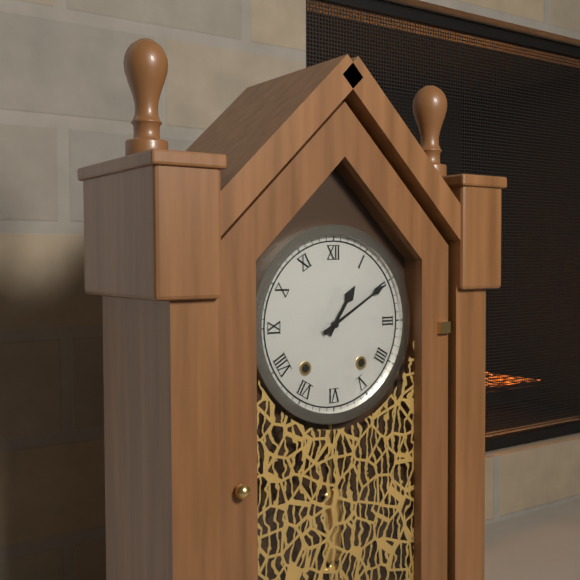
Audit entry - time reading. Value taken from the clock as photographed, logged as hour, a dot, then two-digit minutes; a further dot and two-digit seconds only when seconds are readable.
1.10
